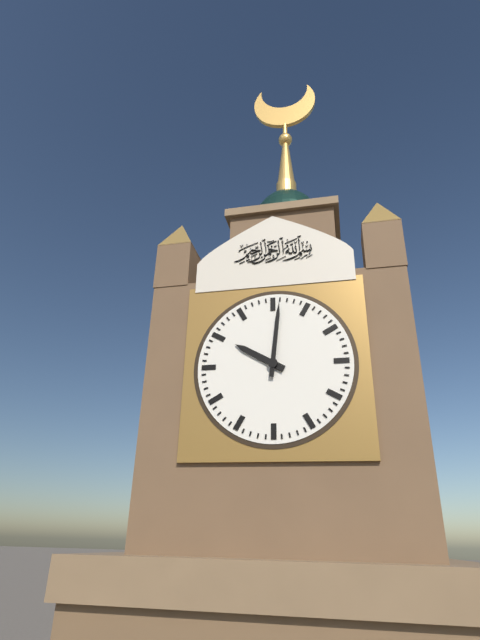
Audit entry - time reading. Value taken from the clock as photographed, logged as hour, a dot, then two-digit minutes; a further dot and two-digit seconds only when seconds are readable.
10.01
